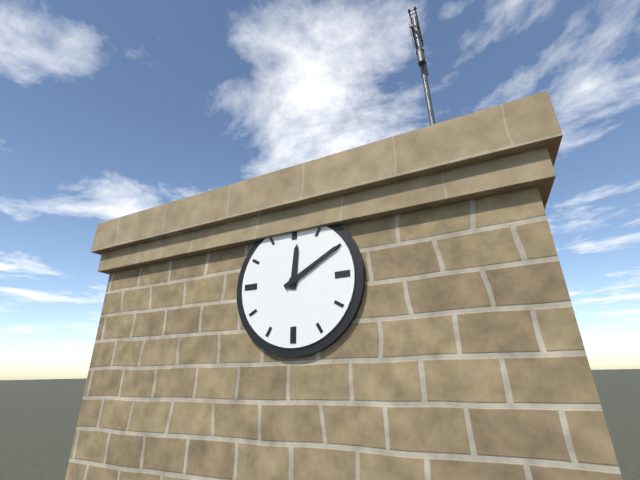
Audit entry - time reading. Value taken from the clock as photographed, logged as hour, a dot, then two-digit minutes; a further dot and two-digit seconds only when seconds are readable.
12.10
